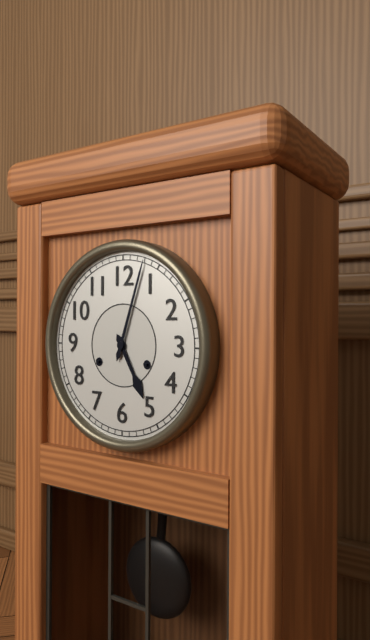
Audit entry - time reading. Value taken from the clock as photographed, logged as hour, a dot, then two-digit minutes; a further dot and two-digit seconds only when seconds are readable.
5.03
